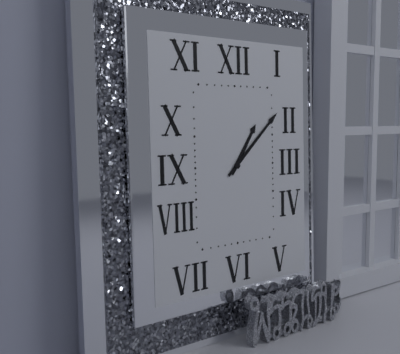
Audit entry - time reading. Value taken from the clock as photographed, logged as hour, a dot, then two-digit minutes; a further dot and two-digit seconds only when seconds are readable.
1.08
